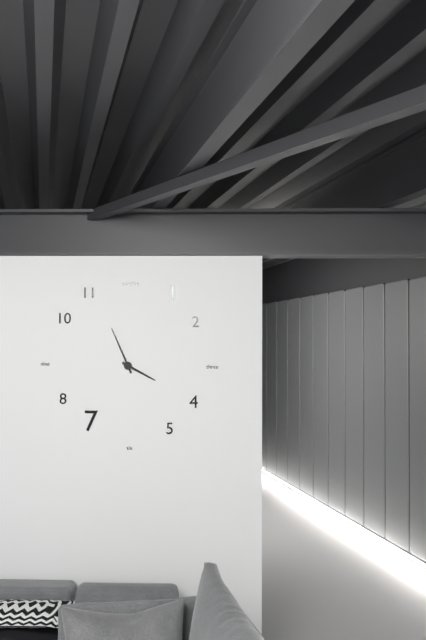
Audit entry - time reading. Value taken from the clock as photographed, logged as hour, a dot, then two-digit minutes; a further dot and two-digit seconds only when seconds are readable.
3.56
